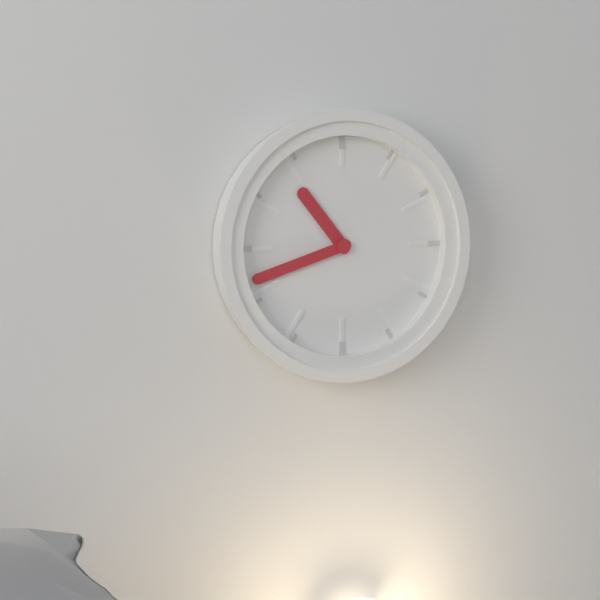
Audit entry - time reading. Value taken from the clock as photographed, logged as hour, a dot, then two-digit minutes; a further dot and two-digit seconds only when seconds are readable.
10.42
